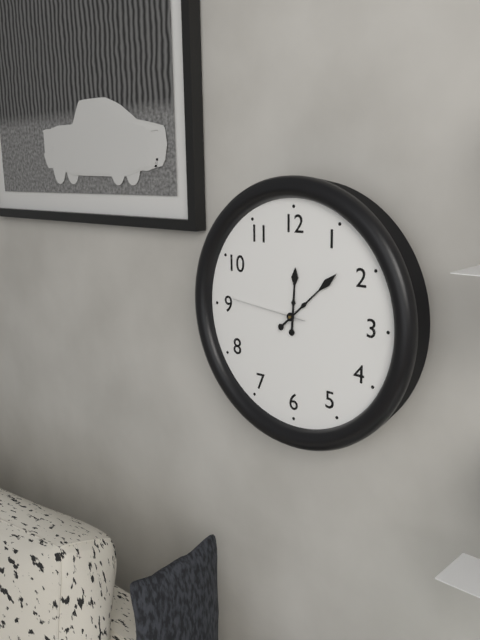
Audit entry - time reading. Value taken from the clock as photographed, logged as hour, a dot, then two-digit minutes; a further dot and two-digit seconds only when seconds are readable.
12.08.46
